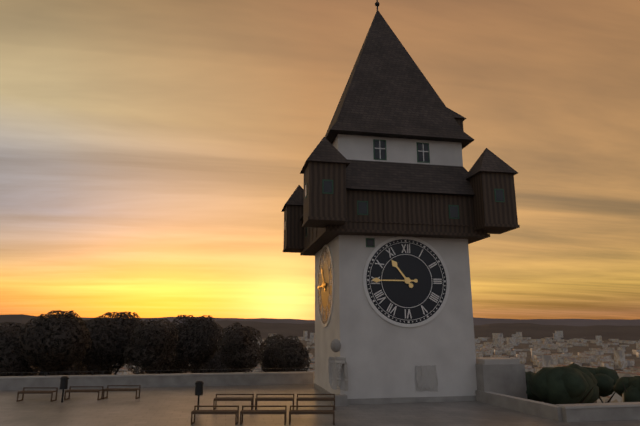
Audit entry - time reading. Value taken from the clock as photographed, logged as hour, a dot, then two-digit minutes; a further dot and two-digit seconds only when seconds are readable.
10.45
